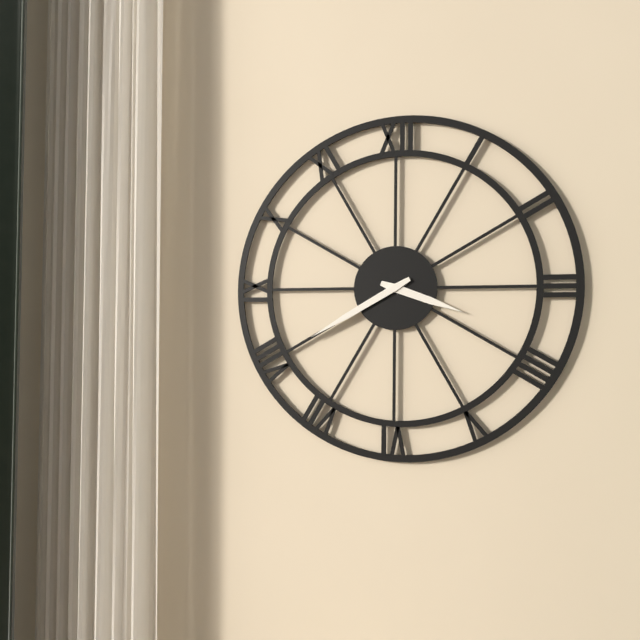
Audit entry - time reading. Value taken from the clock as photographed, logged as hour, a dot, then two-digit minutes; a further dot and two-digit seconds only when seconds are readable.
3.40
